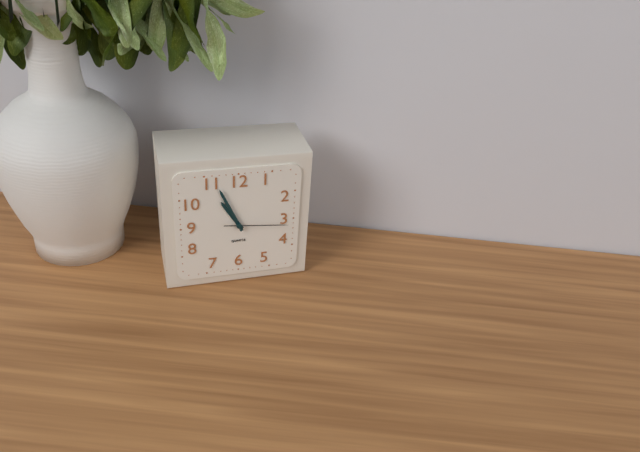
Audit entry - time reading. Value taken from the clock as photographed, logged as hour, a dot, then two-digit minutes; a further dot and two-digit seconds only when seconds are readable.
10.56.16
